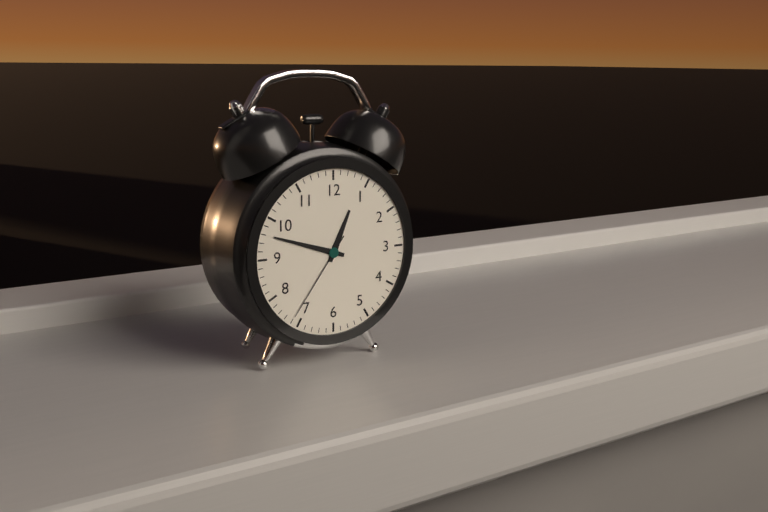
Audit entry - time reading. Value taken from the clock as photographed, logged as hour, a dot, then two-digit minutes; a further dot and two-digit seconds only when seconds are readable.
12.48.36
